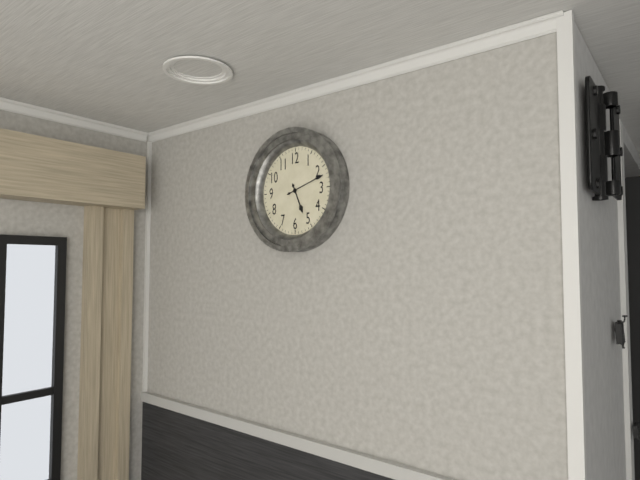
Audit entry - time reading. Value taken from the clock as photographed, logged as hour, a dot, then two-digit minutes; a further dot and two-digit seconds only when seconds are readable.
5.12
